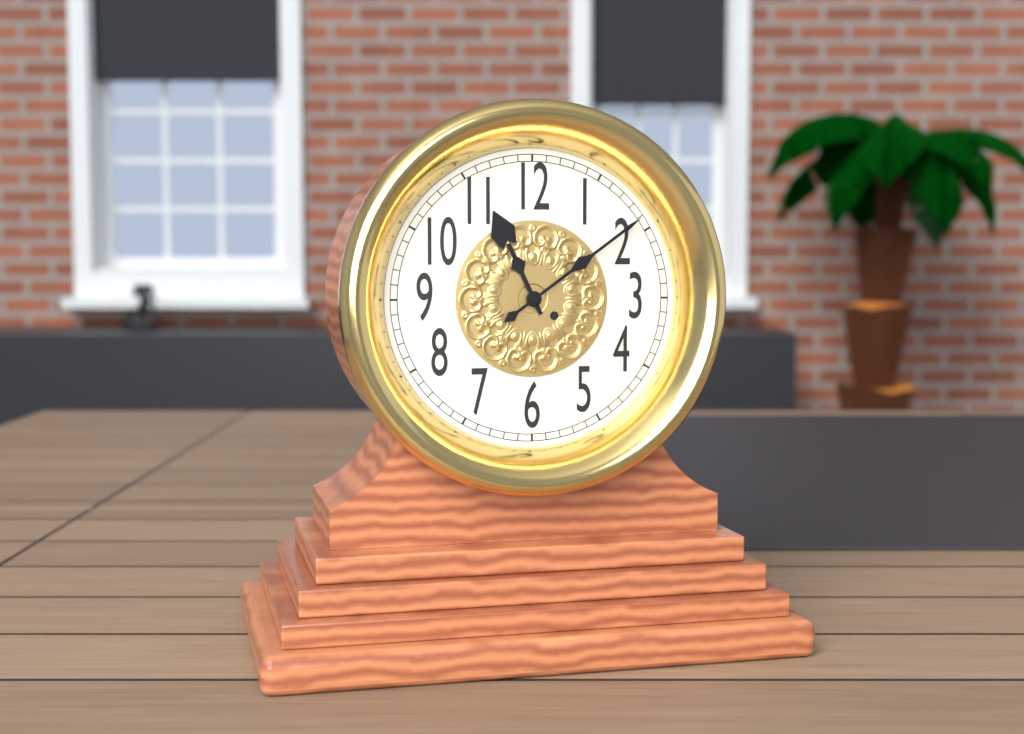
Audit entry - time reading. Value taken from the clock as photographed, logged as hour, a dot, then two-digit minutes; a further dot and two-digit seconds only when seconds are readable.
11.09
